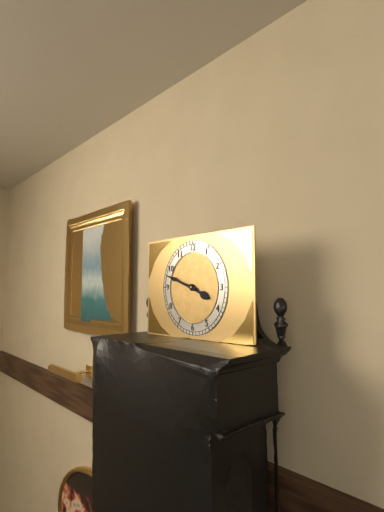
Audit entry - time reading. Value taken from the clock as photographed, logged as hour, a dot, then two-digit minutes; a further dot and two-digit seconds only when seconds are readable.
3.48
